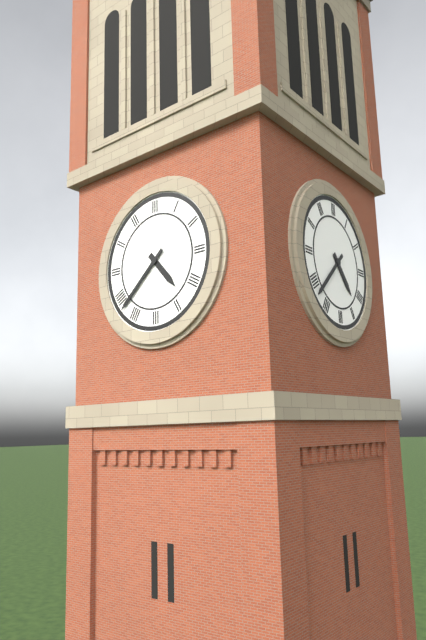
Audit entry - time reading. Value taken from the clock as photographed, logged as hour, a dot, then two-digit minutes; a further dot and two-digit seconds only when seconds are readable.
4.38
